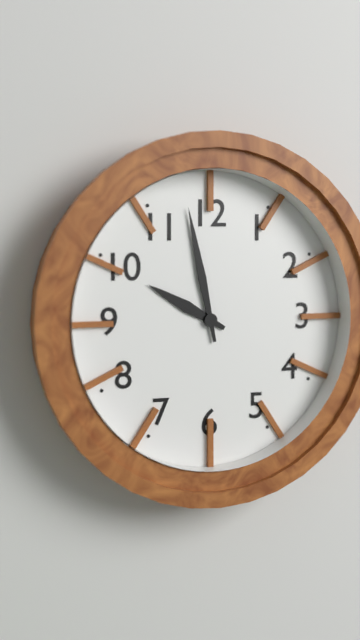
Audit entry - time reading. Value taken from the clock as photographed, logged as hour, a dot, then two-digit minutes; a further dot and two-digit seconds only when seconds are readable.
9.58
